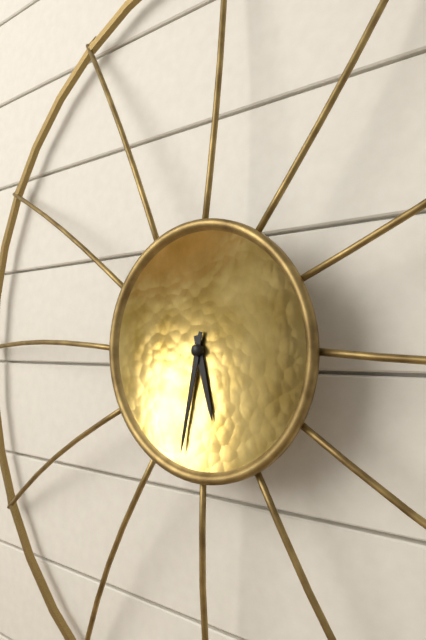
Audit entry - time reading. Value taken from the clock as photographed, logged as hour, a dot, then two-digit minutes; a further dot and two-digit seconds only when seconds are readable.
5.32
